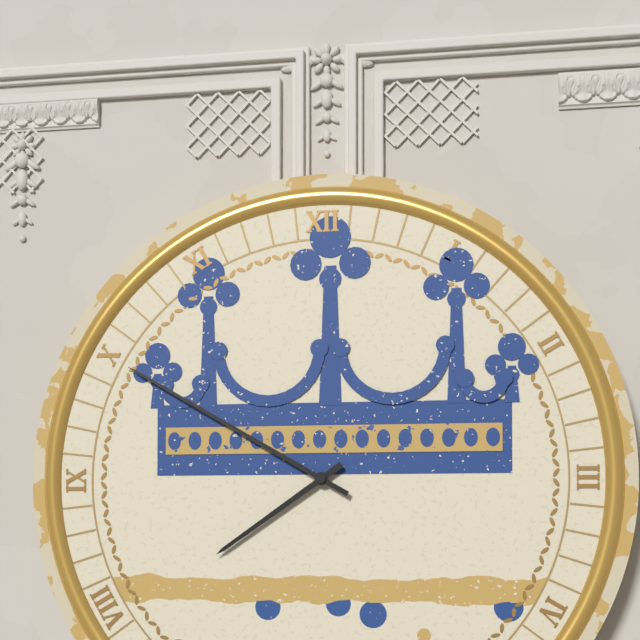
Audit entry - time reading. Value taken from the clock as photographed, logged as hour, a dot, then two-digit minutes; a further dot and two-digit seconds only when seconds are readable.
7.50
